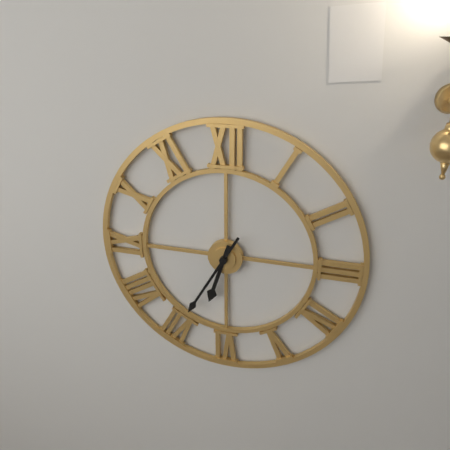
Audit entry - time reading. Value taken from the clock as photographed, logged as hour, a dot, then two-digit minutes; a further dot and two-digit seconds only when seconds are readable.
6.35
